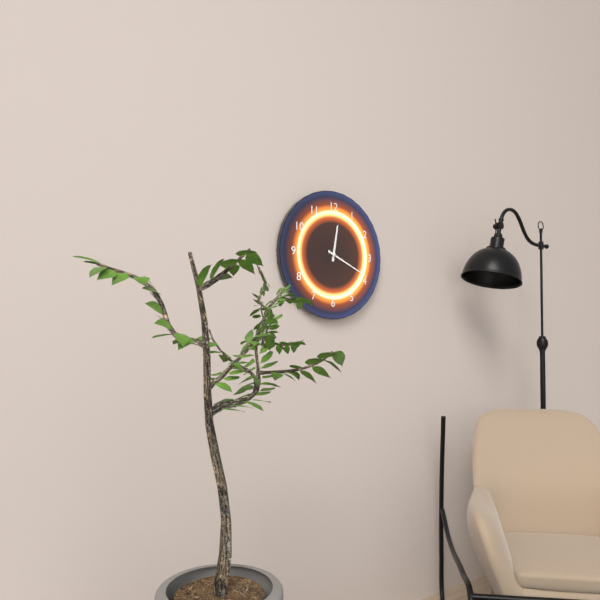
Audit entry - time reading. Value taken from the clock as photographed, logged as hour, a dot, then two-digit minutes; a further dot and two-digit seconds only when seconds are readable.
12.19
